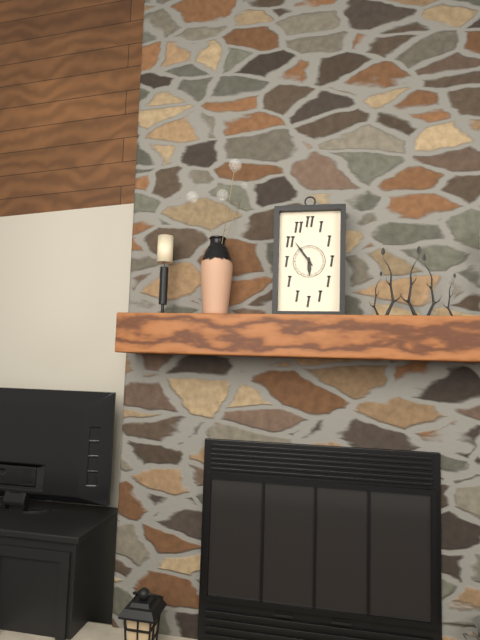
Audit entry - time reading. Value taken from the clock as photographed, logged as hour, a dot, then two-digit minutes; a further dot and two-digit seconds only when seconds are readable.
5.54
